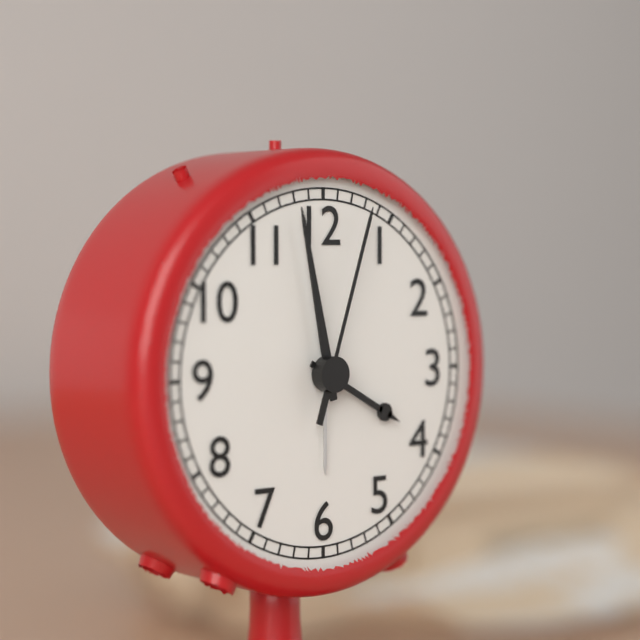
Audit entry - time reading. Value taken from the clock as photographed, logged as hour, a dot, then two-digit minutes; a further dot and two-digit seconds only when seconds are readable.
3.58.03
